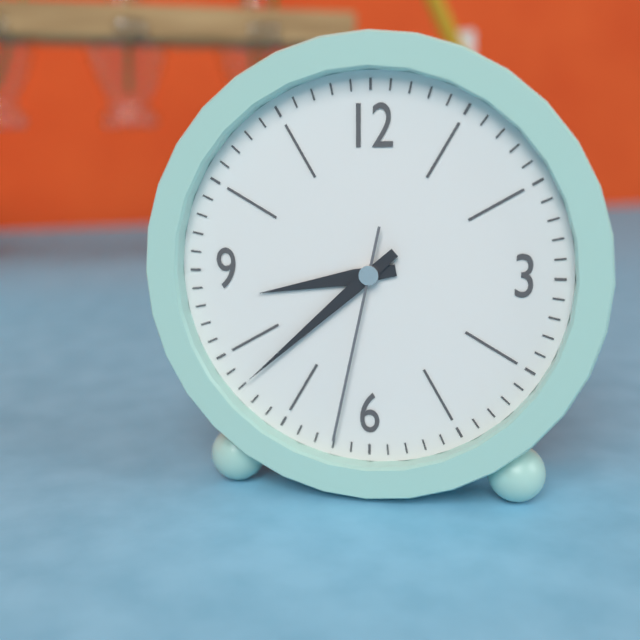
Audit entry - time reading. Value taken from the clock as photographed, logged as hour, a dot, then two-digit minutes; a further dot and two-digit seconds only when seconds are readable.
8.38.32
